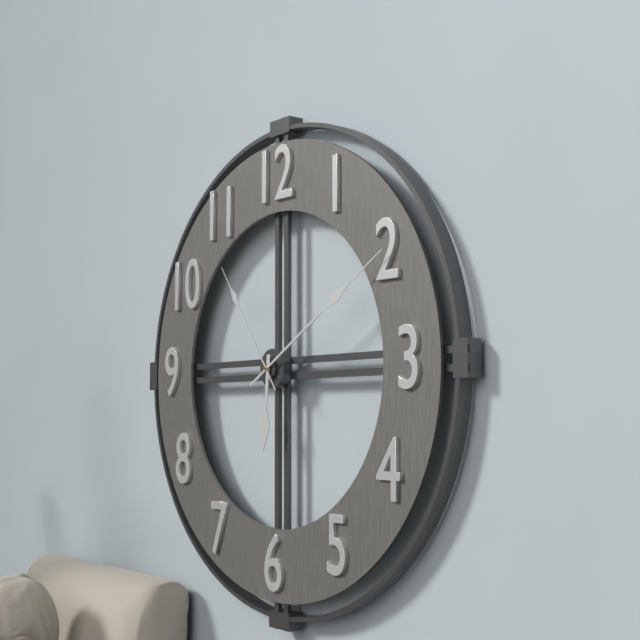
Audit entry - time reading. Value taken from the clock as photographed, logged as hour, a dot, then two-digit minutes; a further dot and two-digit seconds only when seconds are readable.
6.10.54
